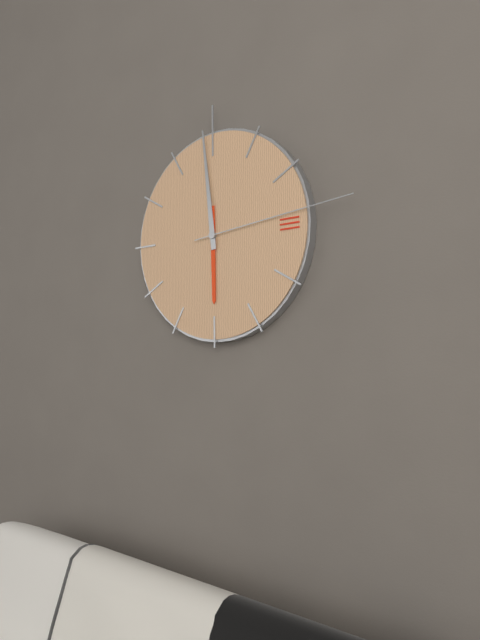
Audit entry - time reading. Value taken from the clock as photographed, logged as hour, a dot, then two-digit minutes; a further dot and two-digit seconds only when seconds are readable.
5.59.14
